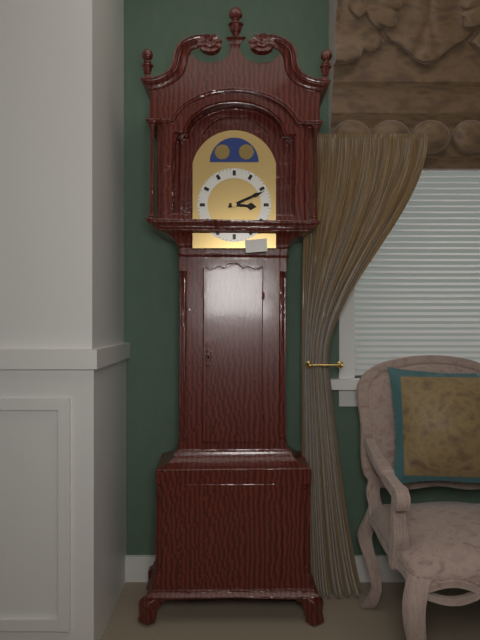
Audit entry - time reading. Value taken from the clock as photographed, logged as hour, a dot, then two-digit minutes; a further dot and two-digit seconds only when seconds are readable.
3.11
